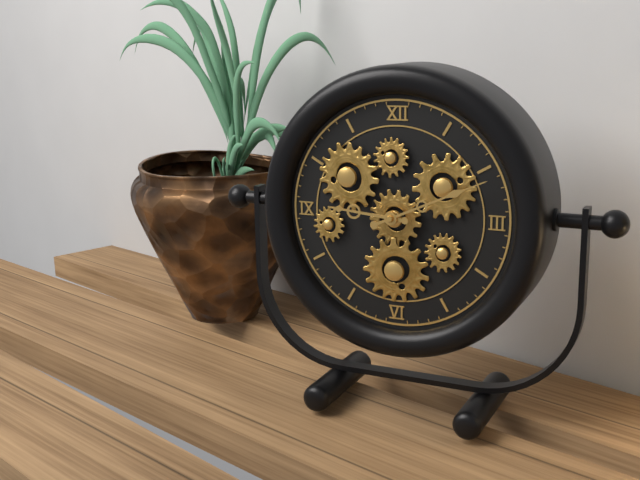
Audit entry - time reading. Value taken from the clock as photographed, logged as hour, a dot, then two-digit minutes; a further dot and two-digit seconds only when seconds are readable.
9.11
